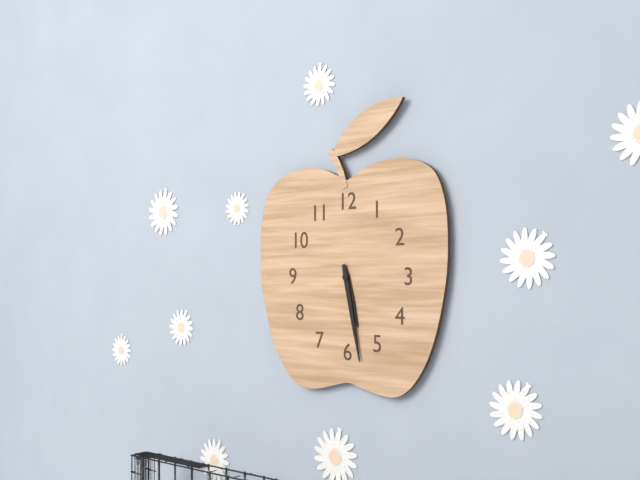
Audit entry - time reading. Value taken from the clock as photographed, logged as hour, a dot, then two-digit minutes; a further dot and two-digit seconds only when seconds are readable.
5.28
